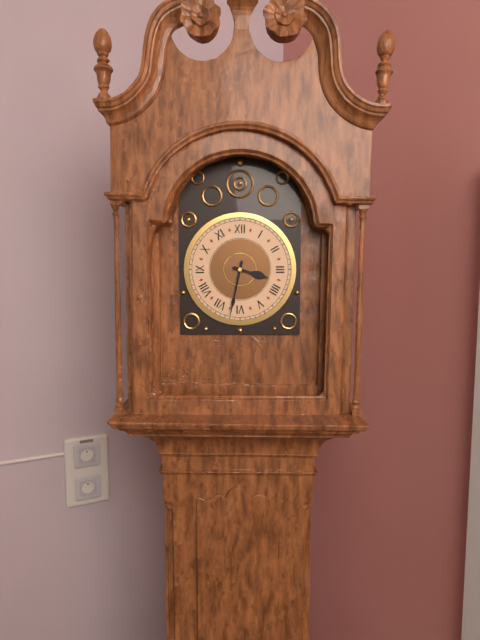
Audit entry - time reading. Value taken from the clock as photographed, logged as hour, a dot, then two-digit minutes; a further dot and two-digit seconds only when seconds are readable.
3.32
